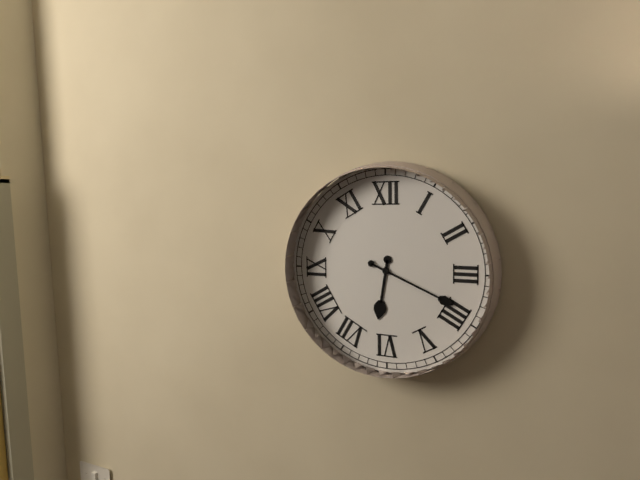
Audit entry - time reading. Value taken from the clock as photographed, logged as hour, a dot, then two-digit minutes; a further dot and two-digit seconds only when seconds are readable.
6.19
